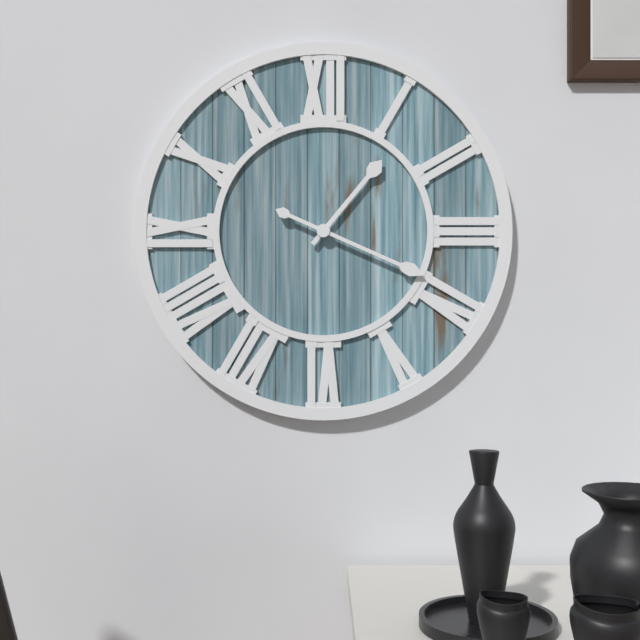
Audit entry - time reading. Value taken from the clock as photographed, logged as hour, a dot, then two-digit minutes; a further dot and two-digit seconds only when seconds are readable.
1.19
